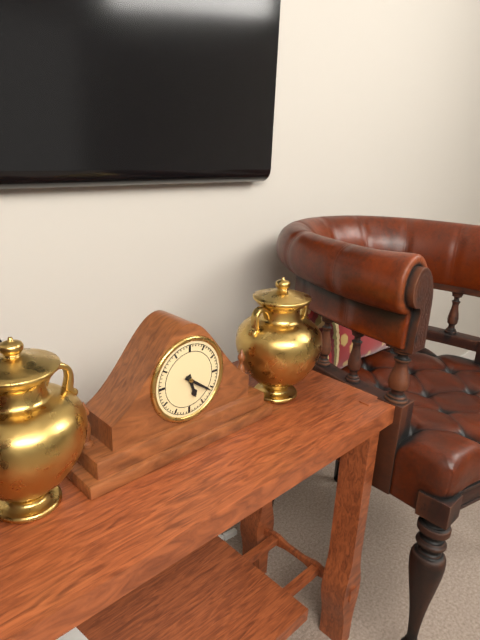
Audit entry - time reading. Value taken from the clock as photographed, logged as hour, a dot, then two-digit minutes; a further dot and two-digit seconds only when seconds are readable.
5.21
